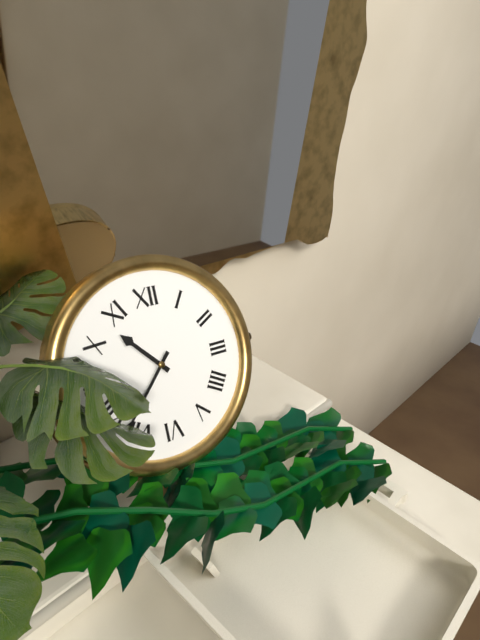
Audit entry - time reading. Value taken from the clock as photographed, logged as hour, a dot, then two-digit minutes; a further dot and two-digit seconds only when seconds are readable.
10.37
